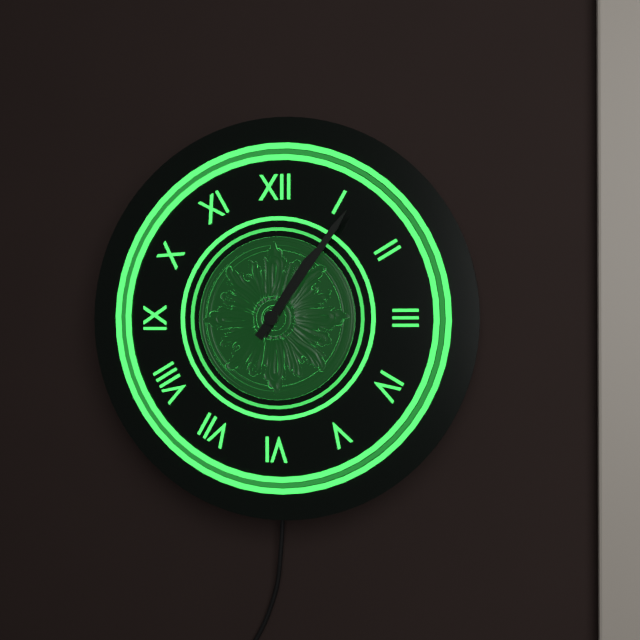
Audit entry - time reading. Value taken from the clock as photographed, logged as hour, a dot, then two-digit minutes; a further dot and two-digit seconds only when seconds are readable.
1.06
